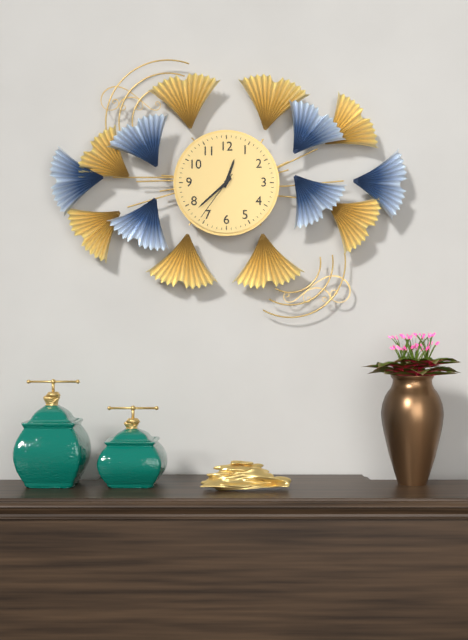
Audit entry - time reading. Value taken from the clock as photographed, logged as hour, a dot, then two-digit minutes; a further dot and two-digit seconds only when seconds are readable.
12.38.36
